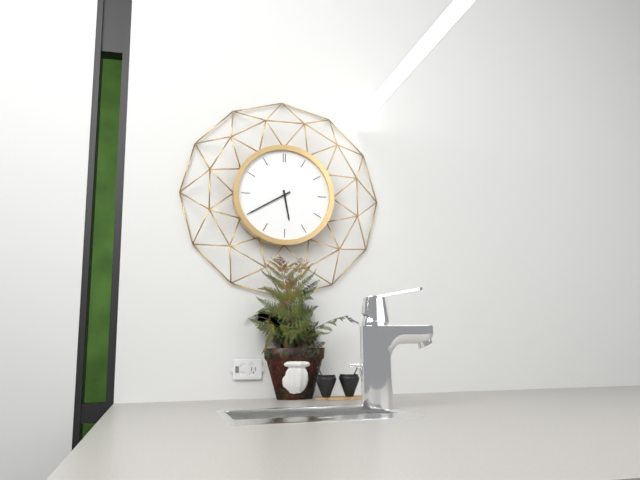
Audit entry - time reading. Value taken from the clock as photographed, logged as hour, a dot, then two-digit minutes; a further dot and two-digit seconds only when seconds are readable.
5.40
